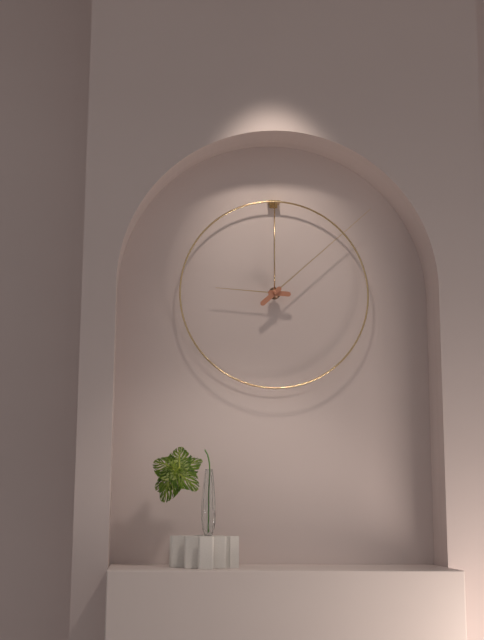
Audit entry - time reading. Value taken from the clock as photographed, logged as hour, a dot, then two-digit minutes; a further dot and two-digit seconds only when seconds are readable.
9.08
